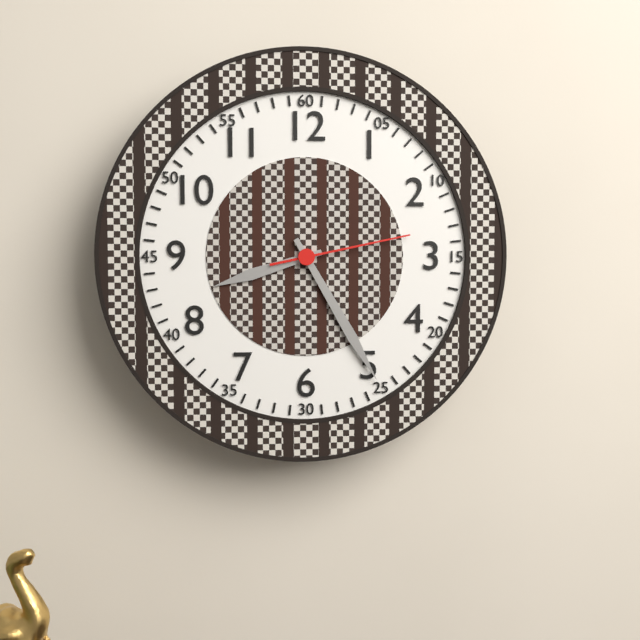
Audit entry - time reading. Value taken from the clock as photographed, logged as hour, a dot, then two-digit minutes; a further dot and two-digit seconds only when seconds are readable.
8.25.13
